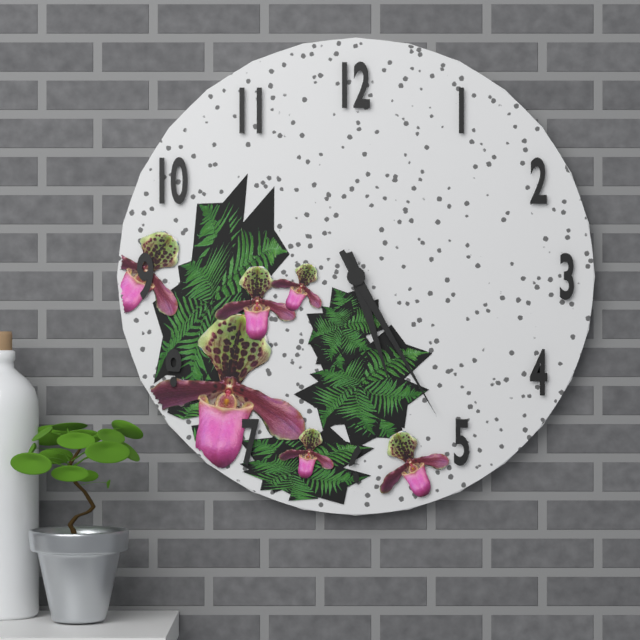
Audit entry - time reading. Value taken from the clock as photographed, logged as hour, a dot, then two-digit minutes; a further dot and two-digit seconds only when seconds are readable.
5.25
